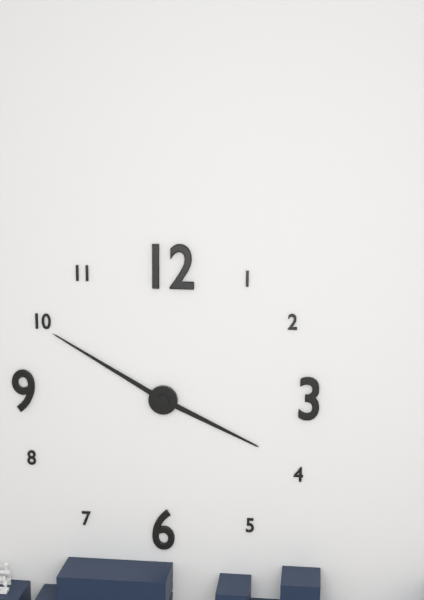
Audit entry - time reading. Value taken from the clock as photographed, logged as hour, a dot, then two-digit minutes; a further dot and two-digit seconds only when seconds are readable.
3.50
